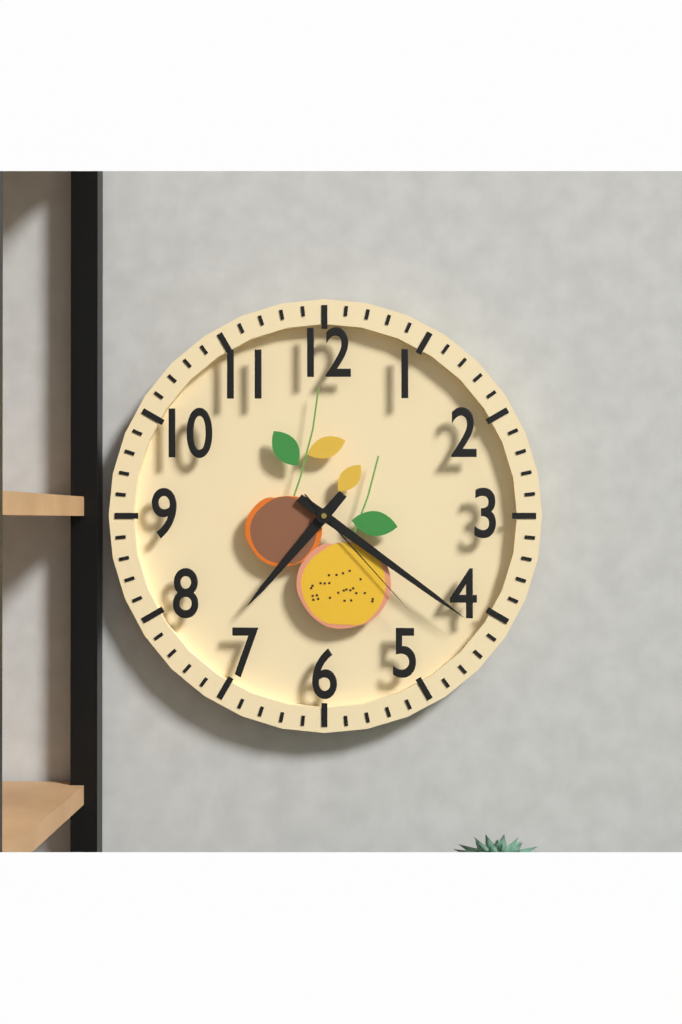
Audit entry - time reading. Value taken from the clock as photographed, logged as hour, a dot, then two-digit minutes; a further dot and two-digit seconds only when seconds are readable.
7.21.23
